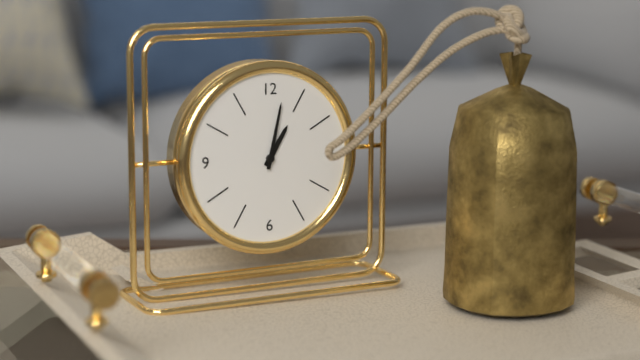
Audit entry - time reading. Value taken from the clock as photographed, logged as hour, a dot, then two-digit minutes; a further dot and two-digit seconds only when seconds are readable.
1.02
